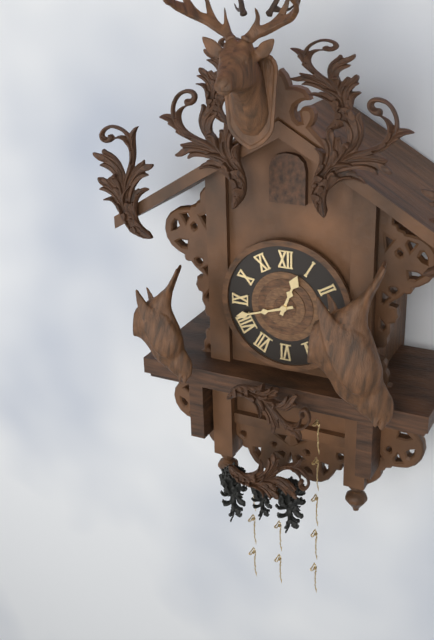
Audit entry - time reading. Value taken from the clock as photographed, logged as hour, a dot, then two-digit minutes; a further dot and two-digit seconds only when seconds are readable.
12.42
